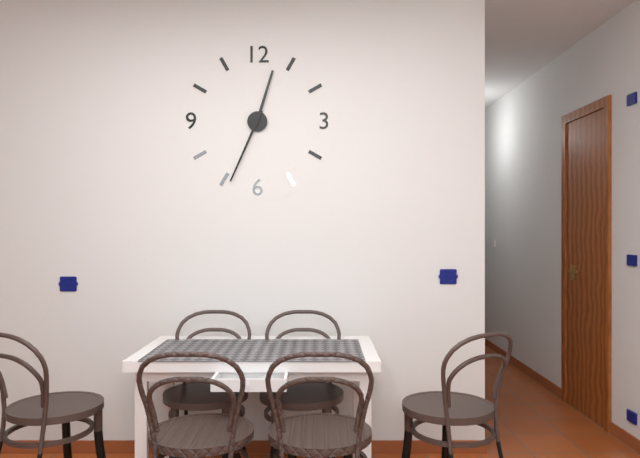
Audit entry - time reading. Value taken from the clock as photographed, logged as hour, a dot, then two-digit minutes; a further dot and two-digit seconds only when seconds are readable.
12.34
